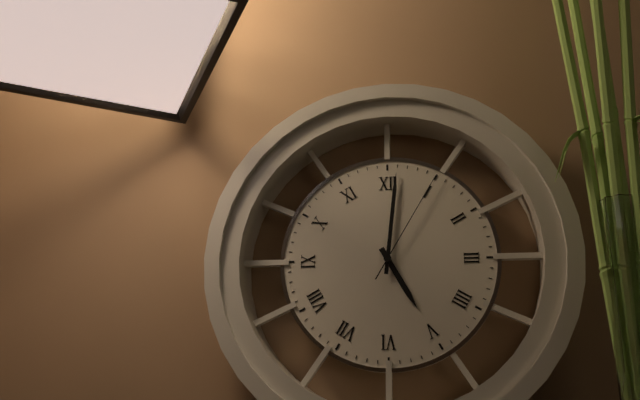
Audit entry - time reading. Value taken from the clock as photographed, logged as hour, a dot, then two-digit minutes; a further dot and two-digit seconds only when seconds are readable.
5.01.05
